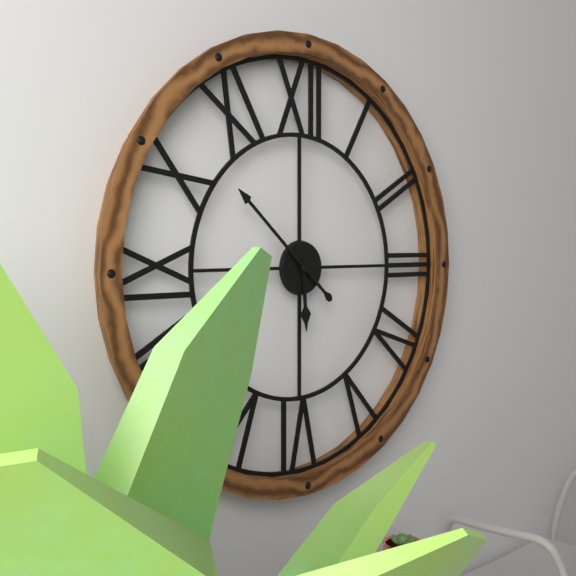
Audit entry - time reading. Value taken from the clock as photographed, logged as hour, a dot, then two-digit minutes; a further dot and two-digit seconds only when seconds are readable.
5.52
